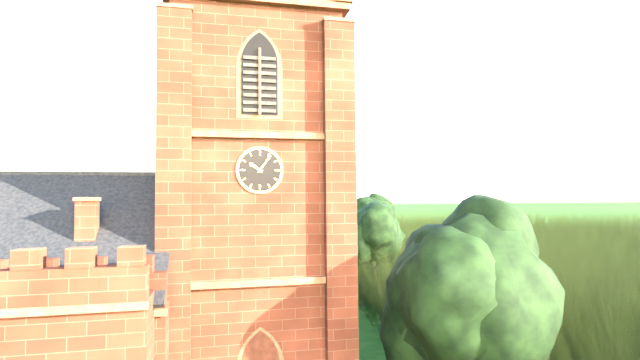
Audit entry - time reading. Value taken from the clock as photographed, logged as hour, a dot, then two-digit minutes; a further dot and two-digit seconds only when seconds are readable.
10.06
